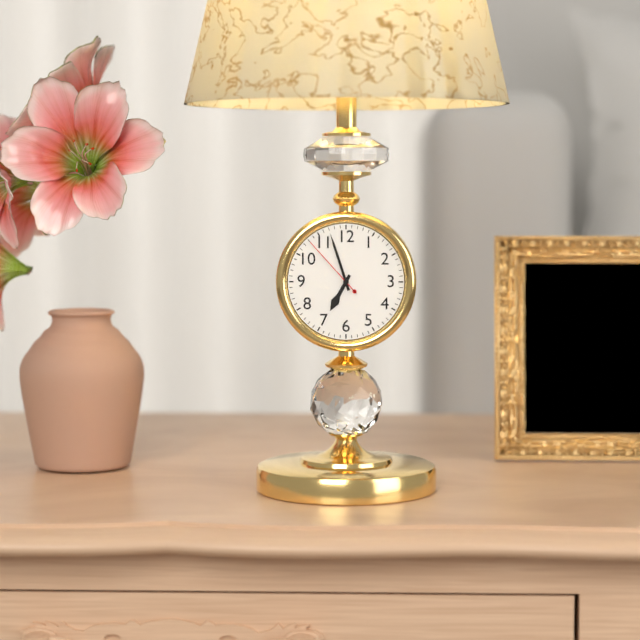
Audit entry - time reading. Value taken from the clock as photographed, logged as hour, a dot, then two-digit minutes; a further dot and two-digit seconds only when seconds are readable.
6.57.53
